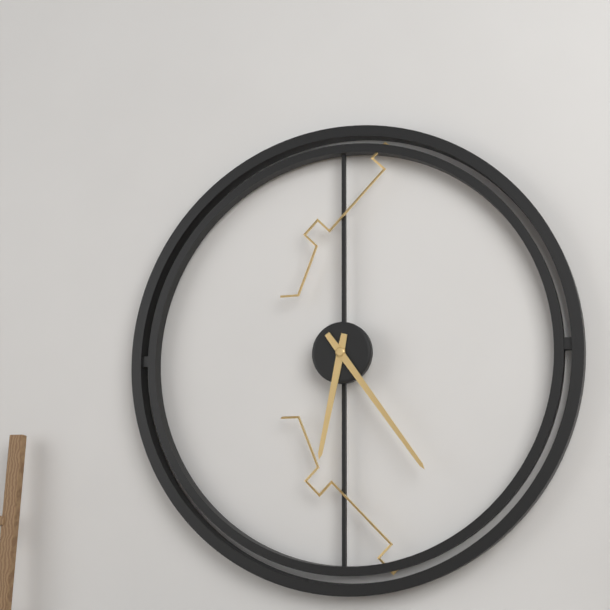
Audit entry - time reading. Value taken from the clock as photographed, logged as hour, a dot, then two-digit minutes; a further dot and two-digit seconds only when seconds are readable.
6.24
